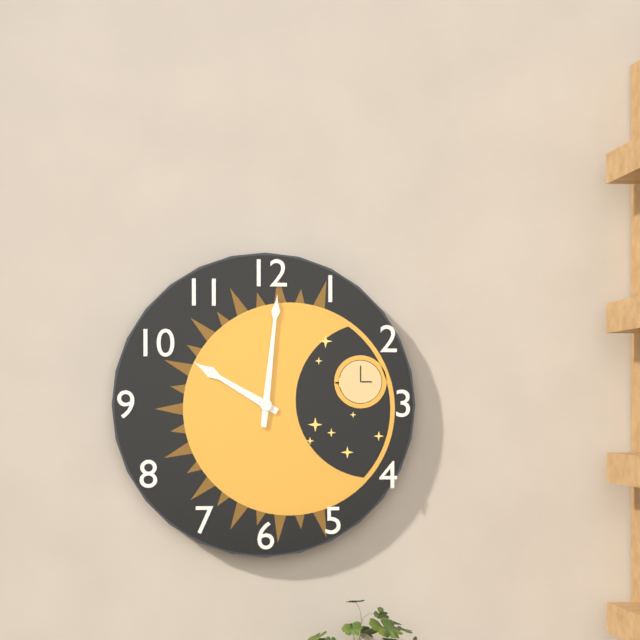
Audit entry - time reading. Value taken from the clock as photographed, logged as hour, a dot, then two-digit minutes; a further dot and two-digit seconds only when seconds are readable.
10.01
